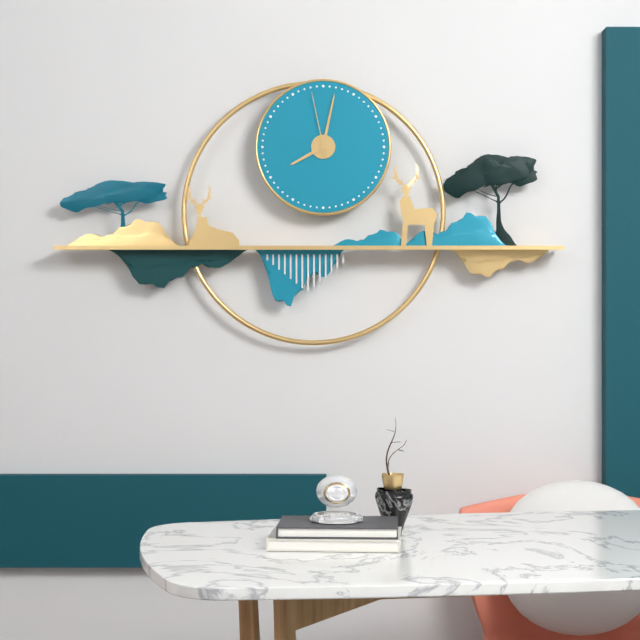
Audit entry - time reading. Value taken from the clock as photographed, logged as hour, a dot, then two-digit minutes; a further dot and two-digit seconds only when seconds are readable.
8.02.58
